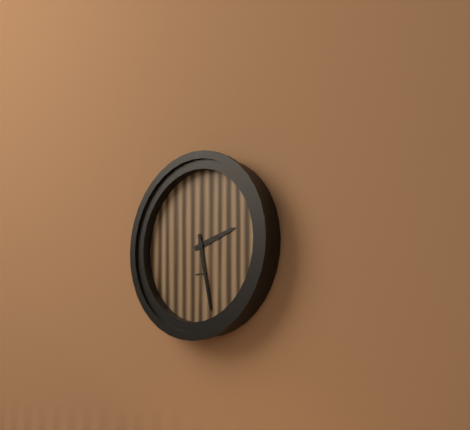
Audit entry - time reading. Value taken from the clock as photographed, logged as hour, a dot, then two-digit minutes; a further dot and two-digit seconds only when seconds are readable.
2.28
